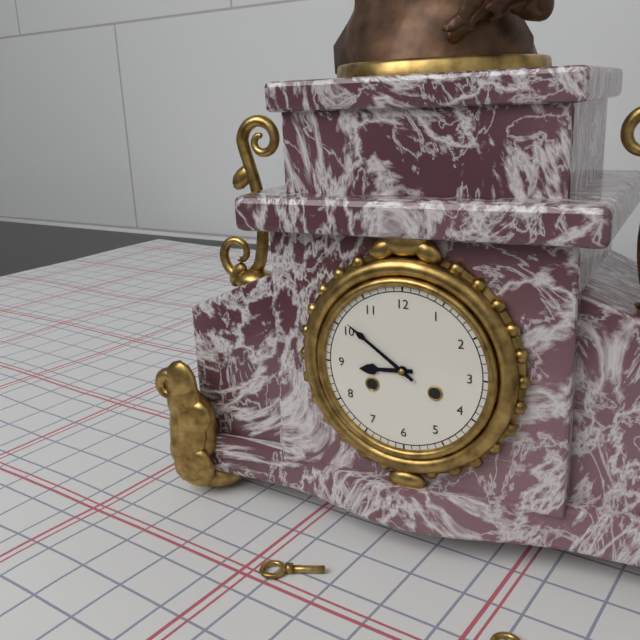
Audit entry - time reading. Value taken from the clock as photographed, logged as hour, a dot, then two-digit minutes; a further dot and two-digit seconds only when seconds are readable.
8.51
